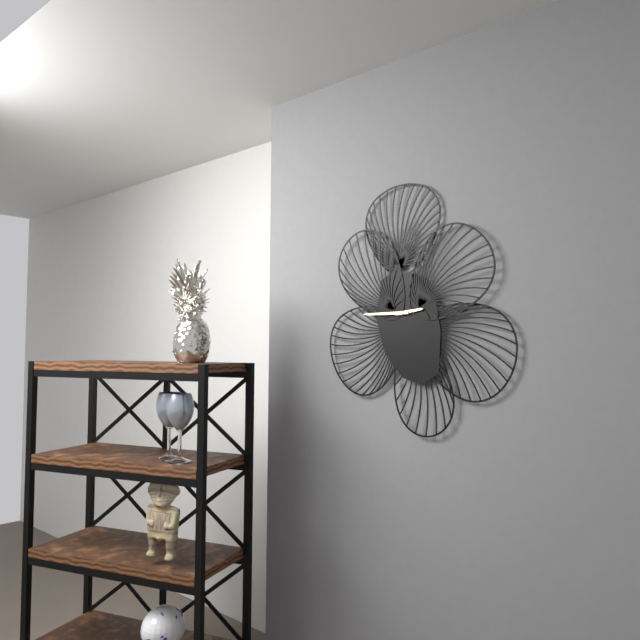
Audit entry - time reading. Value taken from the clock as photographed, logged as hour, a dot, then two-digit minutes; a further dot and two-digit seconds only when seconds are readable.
2.45
